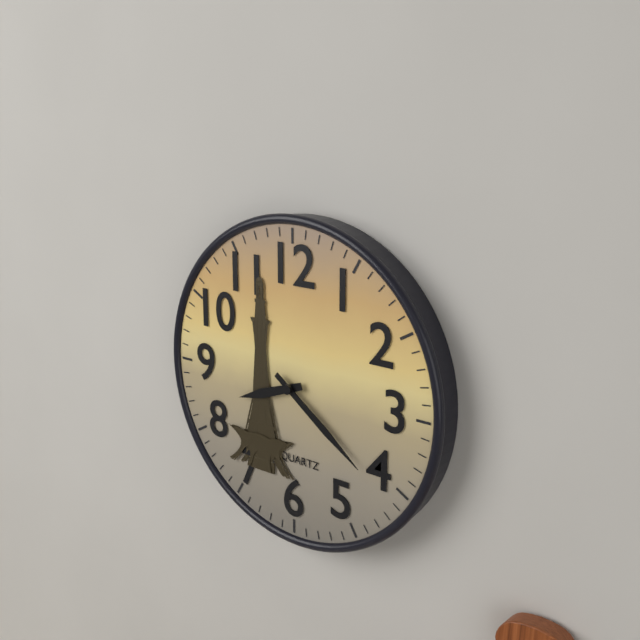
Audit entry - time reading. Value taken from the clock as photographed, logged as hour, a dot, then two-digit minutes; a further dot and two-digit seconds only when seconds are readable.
8.21
